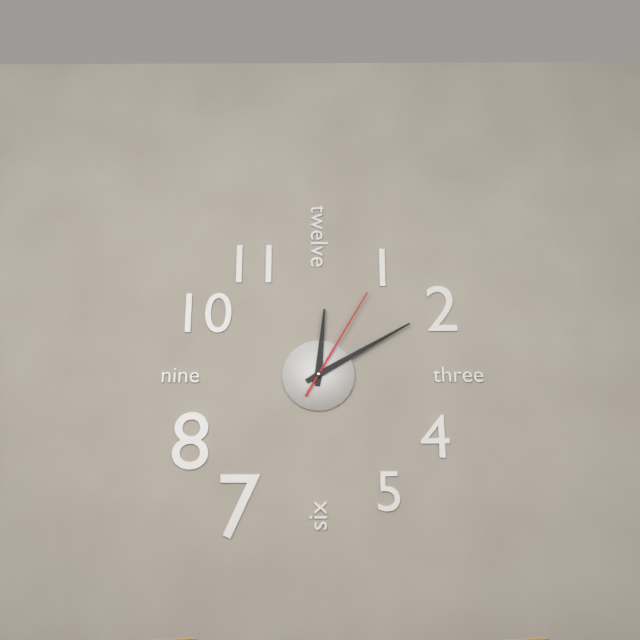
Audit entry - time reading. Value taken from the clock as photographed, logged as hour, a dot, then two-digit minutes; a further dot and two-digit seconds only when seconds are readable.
12.10.05
